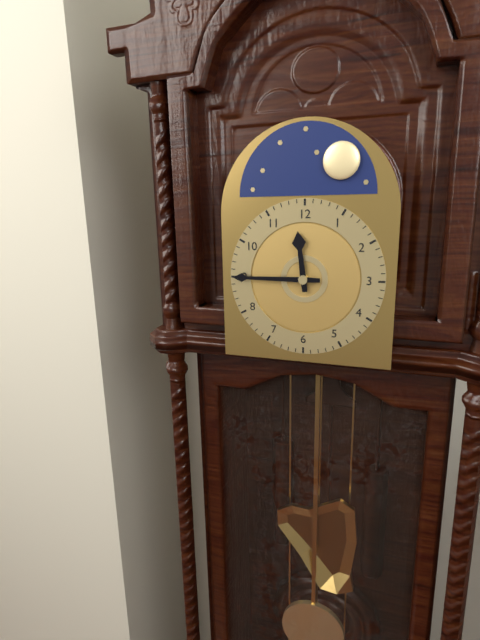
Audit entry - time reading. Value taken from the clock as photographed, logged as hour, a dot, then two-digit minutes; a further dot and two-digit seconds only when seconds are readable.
11.45
